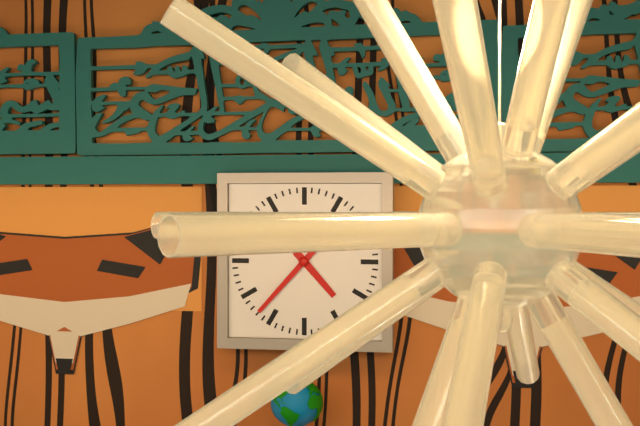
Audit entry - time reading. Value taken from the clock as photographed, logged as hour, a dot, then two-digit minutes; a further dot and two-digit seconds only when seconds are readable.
4.37
